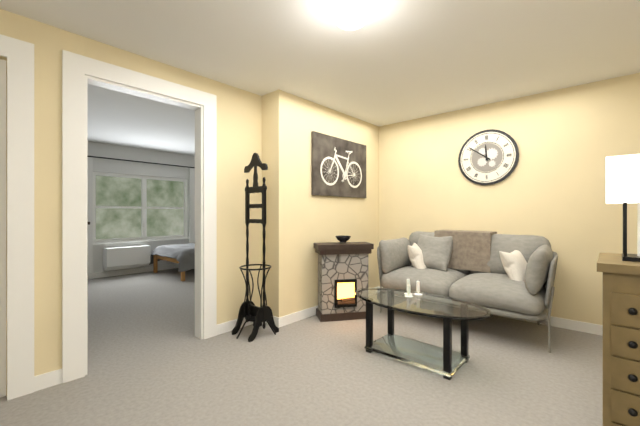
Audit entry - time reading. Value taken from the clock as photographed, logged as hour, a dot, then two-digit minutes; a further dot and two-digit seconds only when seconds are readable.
11.51
